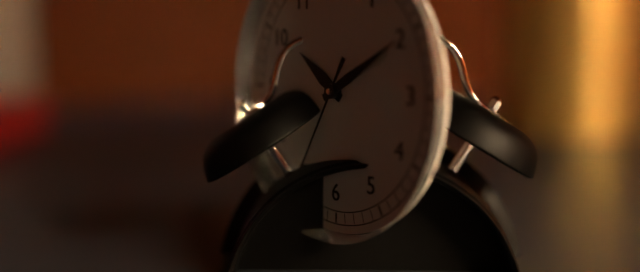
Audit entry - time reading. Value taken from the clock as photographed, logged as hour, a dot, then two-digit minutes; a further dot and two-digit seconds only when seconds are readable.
10.10.35
